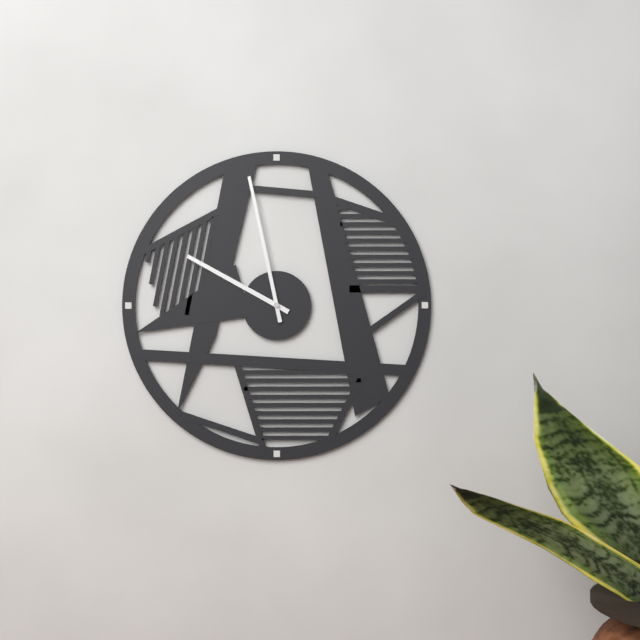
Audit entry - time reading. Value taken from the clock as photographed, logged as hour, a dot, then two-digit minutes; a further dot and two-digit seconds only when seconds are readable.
9.58
